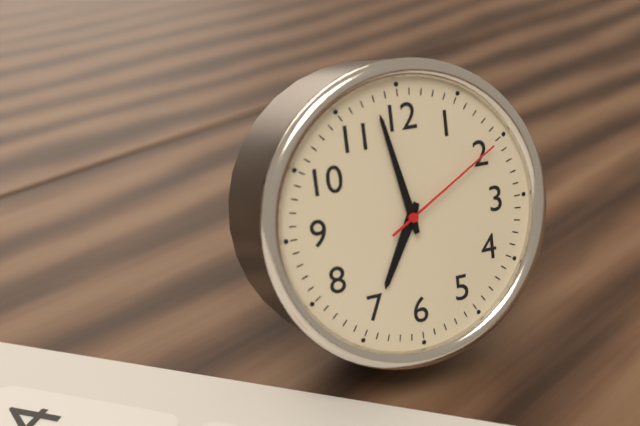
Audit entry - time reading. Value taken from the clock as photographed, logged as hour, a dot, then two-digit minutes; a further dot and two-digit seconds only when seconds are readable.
6.58.10
